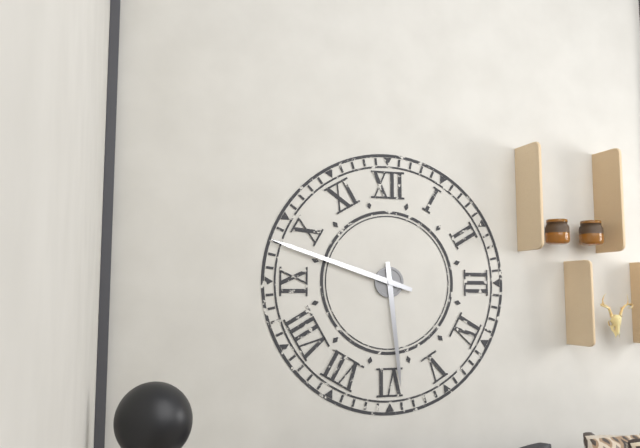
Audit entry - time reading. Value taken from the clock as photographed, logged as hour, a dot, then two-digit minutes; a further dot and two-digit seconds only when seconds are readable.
5.48
